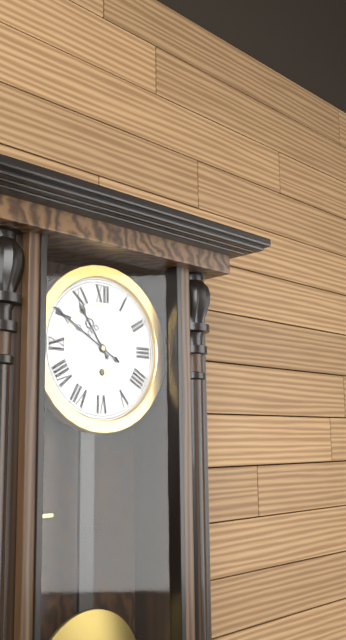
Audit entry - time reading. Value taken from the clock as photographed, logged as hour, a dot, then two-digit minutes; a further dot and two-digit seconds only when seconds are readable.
10.50
